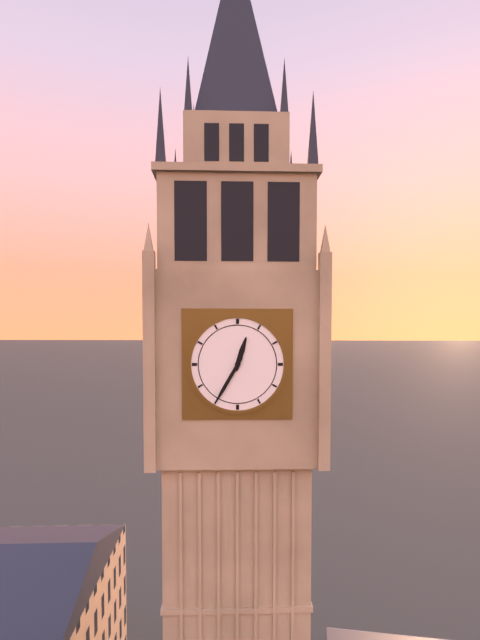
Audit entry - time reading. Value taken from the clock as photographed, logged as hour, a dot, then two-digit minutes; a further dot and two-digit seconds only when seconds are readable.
12.35
